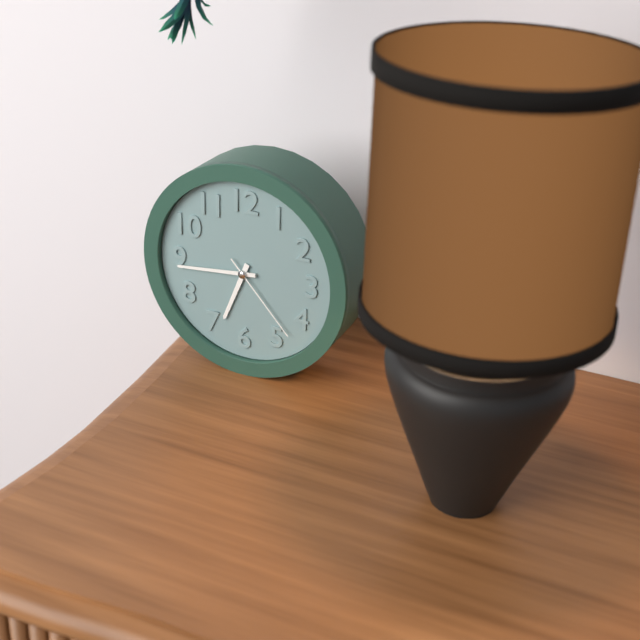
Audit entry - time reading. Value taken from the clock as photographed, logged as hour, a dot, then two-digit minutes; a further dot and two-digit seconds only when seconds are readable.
6.44.23
